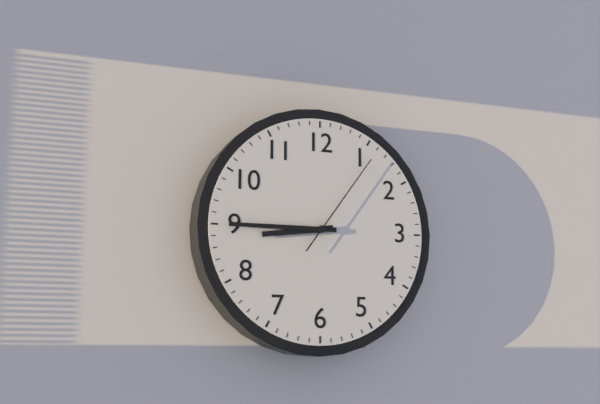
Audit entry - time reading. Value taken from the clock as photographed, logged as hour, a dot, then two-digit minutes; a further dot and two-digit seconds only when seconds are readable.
8.45.06
